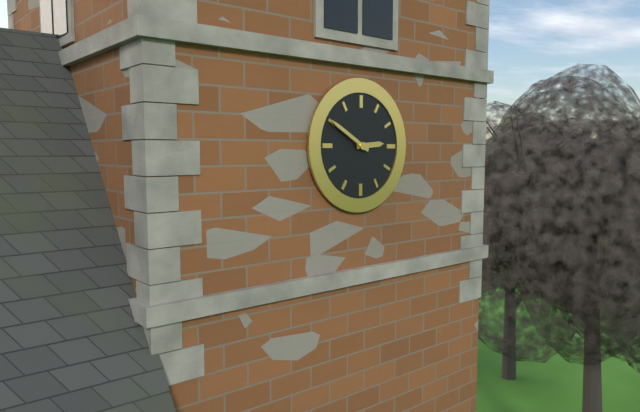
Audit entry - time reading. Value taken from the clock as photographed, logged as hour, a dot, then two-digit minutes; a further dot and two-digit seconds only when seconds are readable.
2.50
